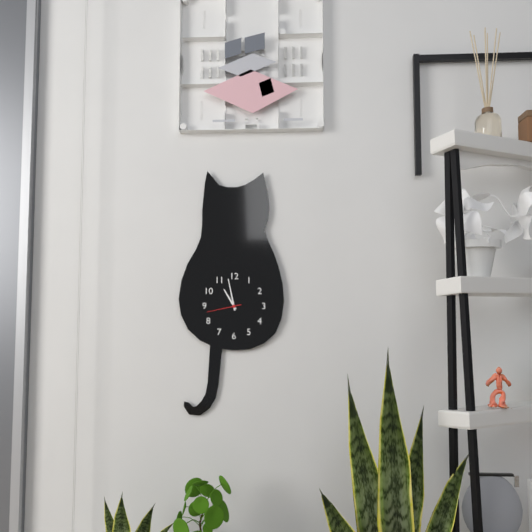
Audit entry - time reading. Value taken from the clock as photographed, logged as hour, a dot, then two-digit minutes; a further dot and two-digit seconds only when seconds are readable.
10.58
